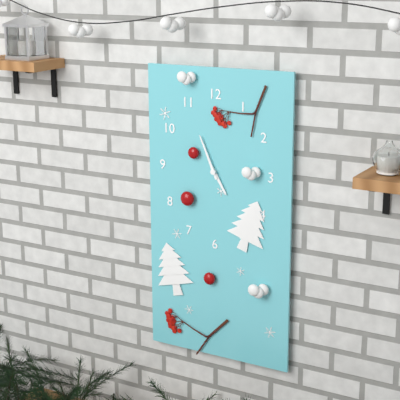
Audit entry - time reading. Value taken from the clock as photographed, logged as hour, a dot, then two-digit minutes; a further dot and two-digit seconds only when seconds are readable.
4.56
